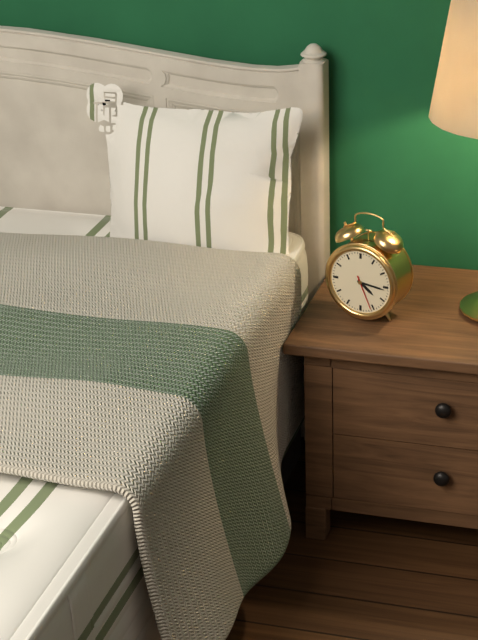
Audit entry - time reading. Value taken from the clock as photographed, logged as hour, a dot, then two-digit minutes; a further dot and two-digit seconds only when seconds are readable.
4.16
